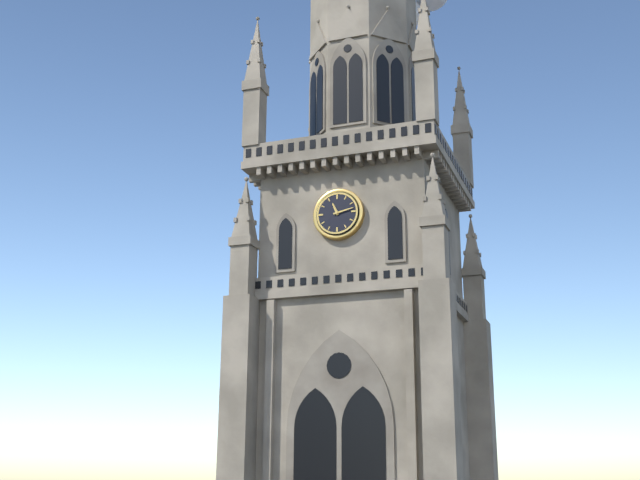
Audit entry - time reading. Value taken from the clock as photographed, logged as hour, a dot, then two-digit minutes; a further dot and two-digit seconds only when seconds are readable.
11.13
